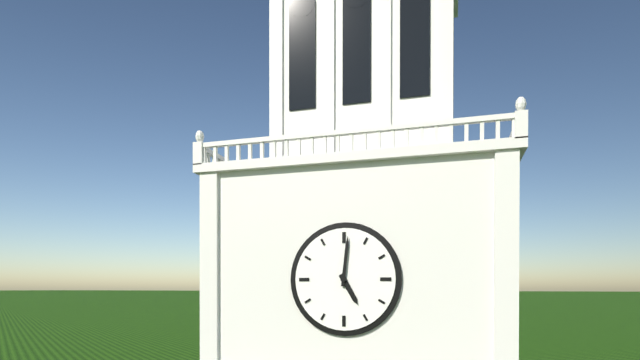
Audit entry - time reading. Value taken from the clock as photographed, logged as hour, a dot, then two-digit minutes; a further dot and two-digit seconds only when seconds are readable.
5.01
